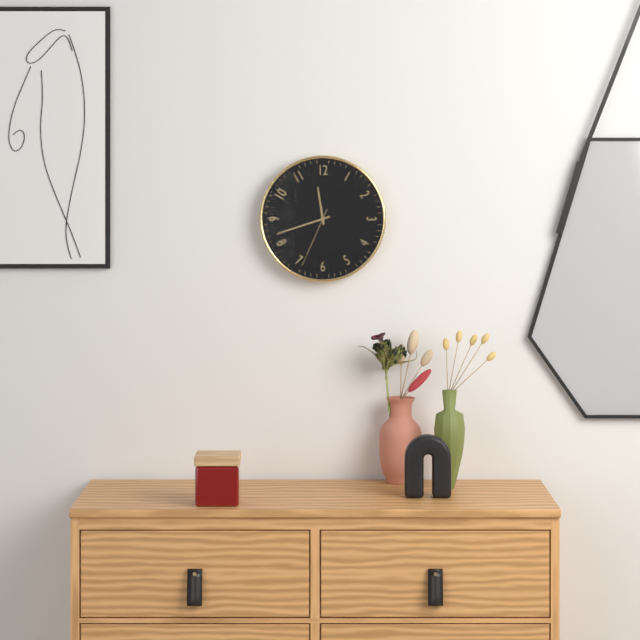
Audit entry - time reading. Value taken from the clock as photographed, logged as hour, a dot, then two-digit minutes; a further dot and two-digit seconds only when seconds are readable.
11.42.34
